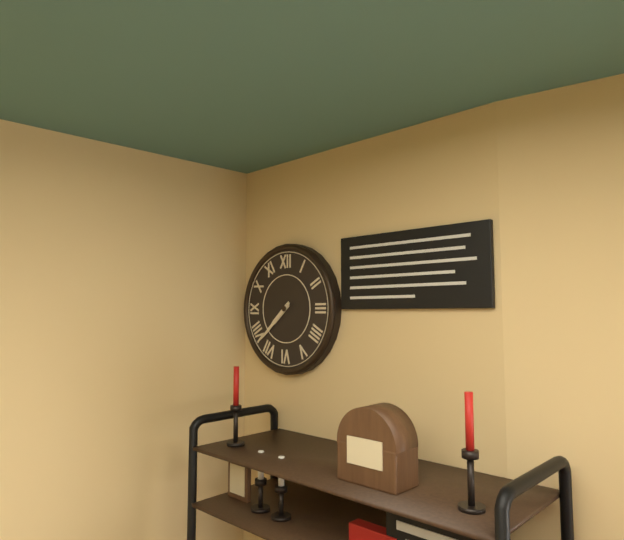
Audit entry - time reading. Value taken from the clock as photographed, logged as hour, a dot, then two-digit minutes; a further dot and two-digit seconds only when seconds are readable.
7.38
